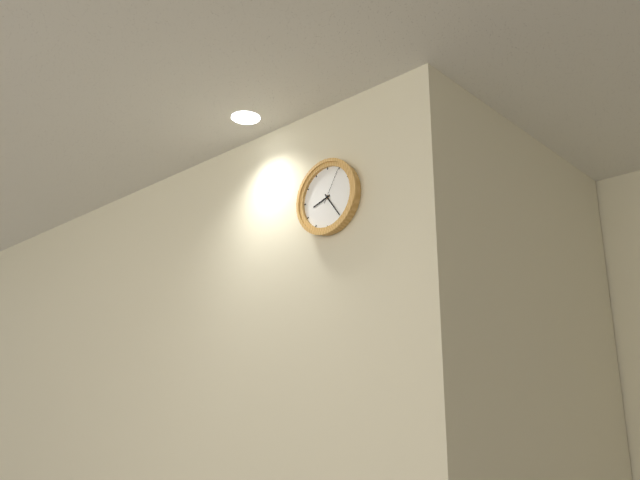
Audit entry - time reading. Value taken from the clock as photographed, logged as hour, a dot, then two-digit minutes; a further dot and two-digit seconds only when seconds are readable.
8.24
